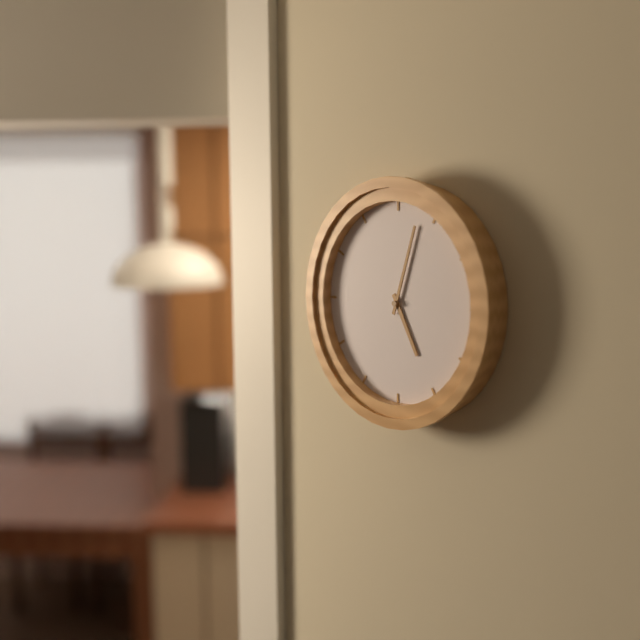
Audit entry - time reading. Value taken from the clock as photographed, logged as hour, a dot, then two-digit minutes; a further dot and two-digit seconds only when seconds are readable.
5.03
